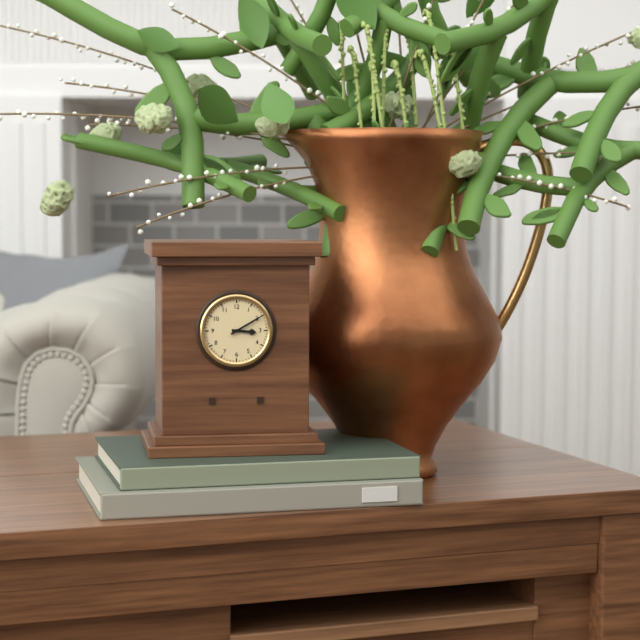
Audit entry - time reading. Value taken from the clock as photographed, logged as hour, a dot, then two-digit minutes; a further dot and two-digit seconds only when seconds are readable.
3.10
